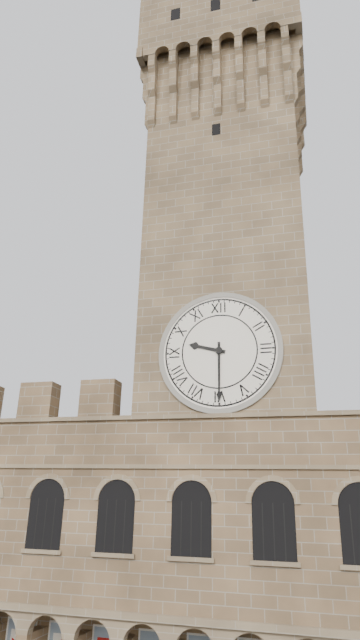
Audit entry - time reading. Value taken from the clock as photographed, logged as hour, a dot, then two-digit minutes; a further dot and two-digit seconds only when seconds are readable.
9.30
